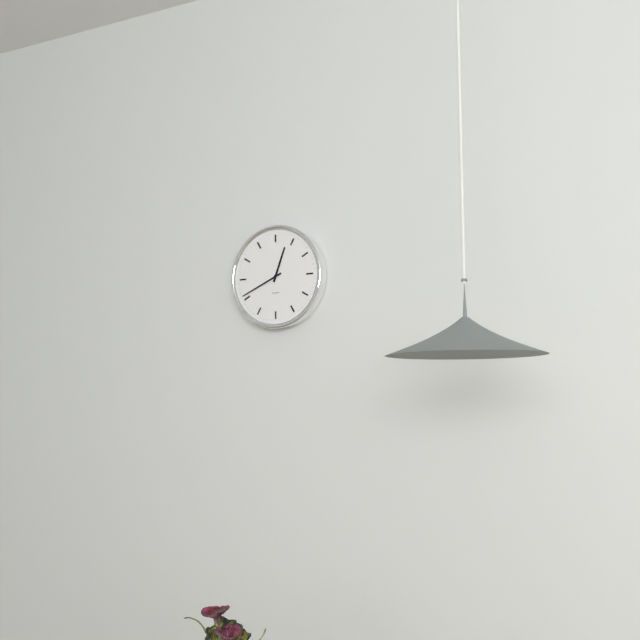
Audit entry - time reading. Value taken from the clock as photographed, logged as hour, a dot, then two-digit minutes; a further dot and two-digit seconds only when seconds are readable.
12.41
